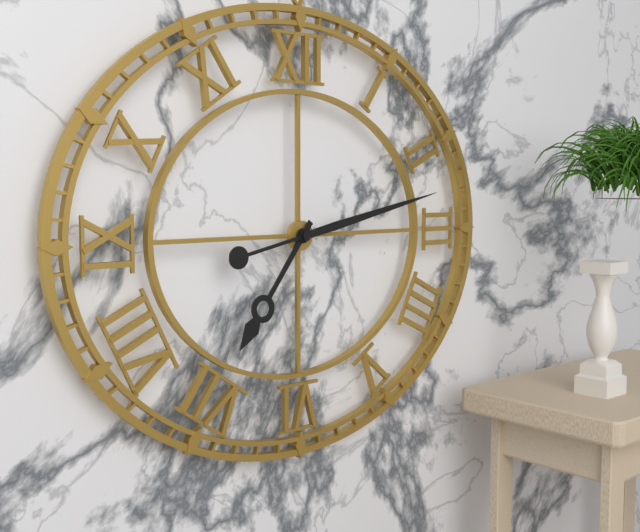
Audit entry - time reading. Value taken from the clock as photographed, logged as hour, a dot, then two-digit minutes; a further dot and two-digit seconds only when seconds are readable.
7.13
